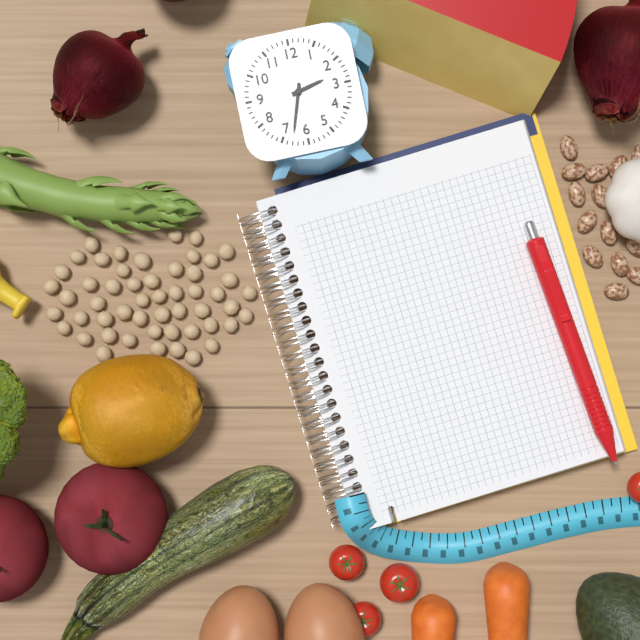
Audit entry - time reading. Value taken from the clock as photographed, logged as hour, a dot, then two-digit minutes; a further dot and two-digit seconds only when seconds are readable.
2.33
